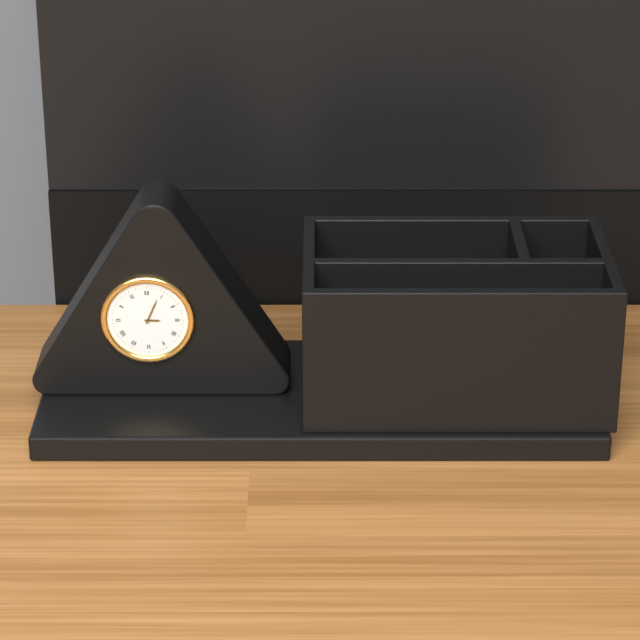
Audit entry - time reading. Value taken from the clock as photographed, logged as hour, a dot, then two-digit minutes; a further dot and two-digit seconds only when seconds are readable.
3.04
